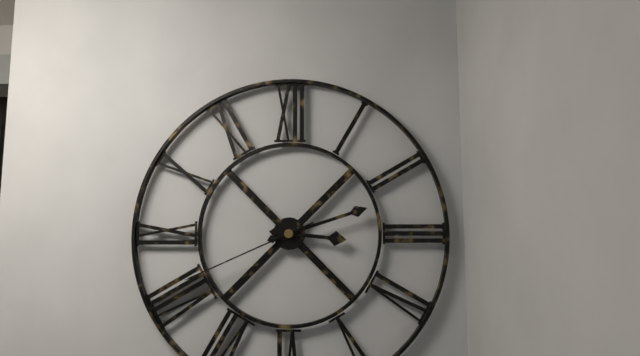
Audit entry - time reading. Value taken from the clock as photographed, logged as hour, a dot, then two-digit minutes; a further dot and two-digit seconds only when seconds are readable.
3.12.41
